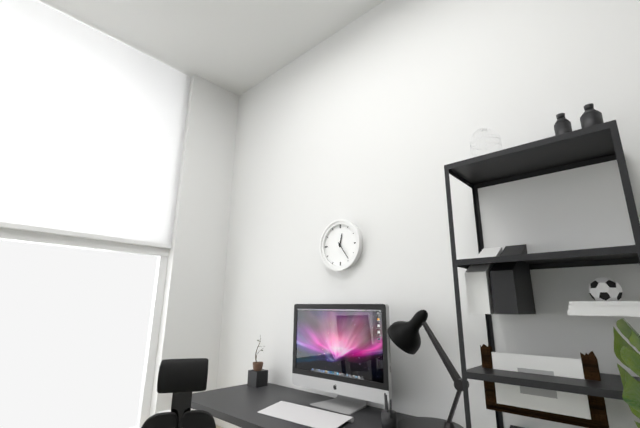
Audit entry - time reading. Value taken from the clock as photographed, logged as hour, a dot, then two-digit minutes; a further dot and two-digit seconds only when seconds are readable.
12.24
